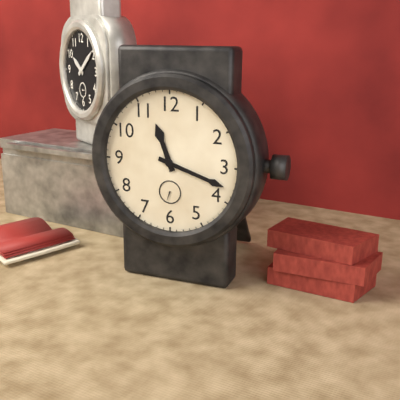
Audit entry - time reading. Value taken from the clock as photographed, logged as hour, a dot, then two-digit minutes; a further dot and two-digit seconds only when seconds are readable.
11.18
